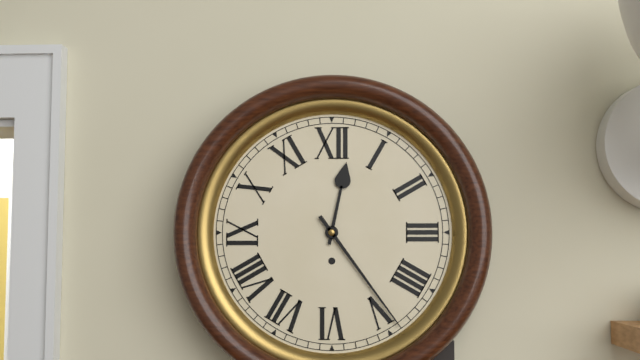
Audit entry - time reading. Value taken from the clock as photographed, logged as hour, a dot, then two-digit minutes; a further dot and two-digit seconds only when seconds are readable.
12.24
